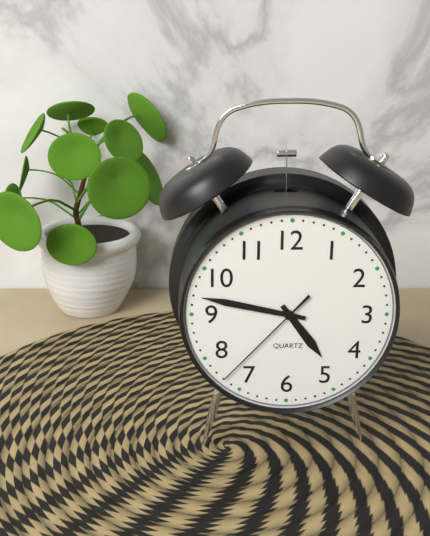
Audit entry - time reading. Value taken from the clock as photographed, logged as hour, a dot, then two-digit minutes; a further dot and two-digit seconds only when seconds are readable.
4.47.37
